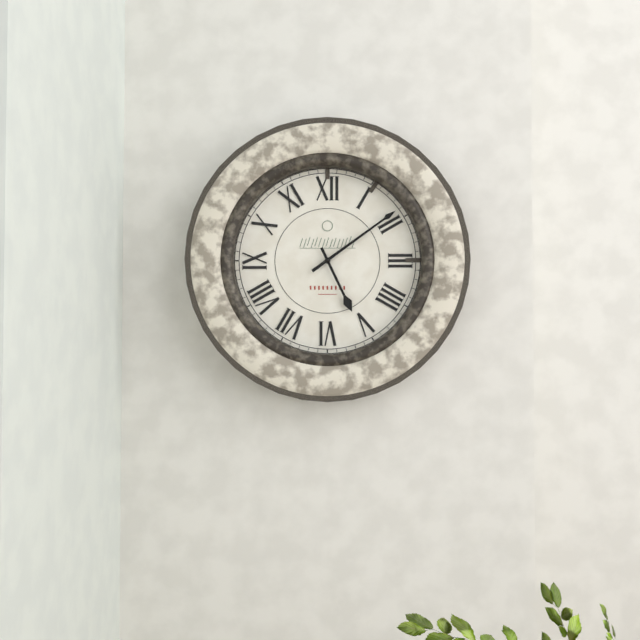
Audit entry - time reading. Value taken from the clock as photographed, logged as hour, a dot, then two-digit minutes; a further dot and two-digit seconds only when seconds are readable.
5.09
